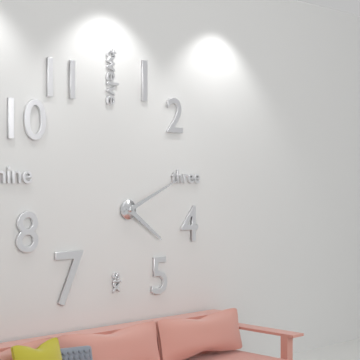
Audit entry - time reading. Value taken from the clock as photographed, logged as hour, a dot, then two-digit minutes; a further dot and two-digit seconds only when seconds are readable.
4.11
